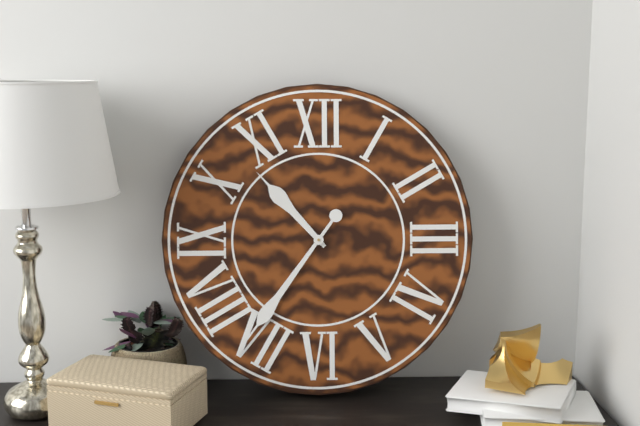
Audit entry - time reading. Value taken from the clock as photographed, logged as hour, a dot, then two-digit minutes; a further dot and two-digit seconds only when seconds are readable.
10.36
